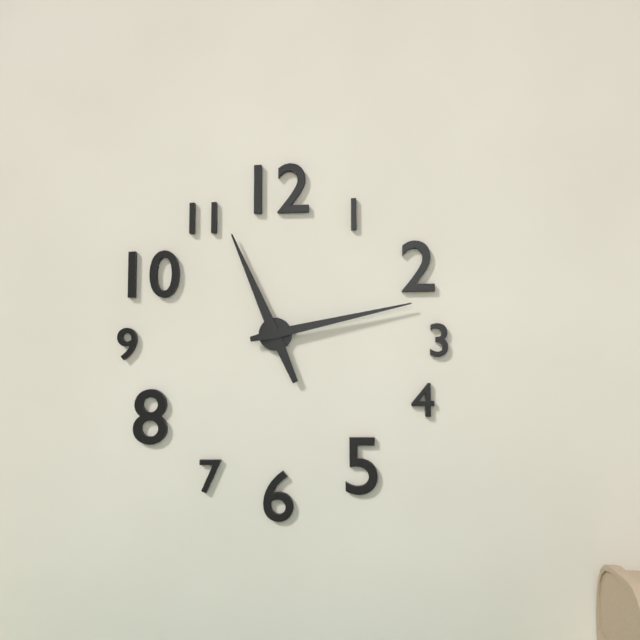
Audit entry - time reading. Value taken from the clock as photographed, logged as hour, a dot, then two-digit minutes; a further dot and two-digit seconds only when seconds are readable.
11.13
